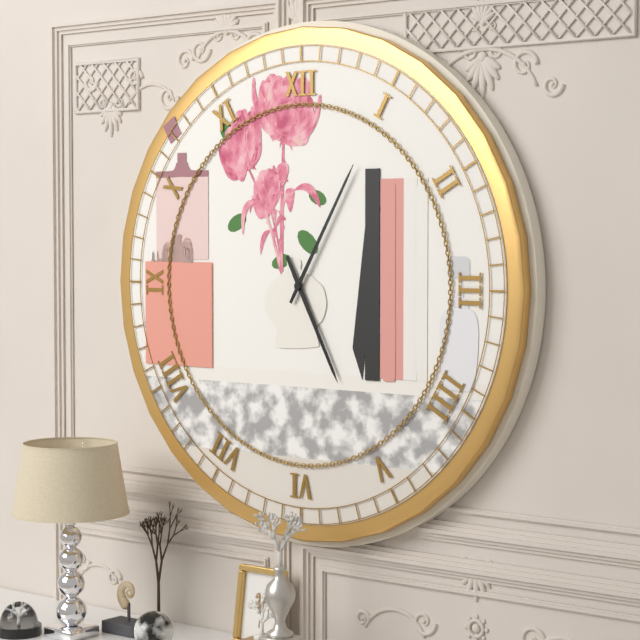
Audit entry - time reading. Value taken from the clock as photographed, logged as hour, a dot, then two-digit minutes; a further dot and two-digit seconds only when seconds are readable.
5.05
